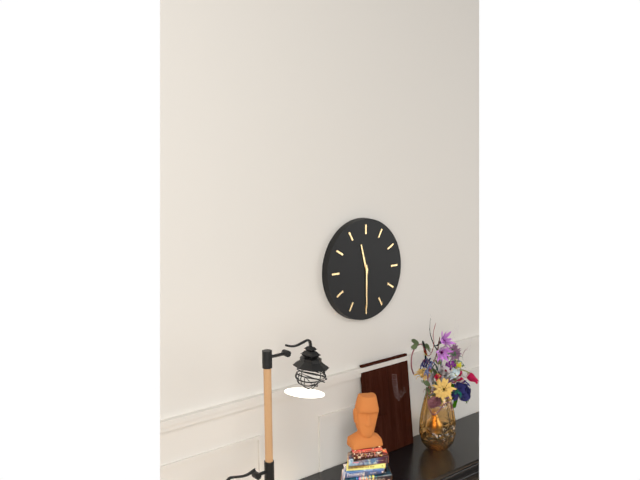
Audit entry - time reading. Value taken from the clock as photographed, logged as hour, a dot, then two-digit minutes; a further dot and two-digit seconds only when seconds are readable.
11.30
